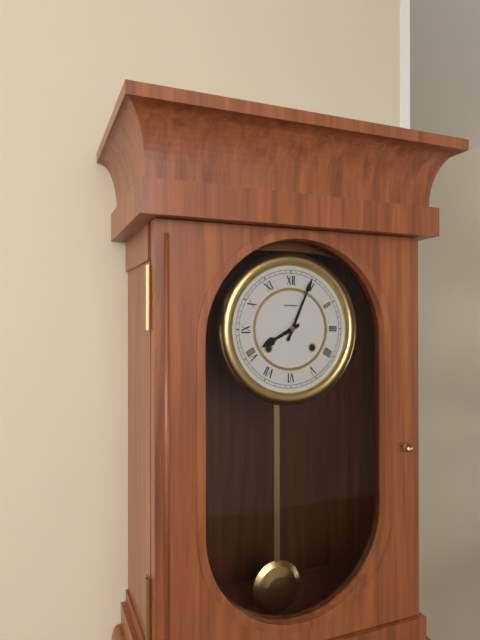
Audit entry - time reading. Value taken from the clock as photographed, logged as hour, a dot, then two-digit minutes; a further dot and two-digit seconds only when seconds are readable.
8.04
